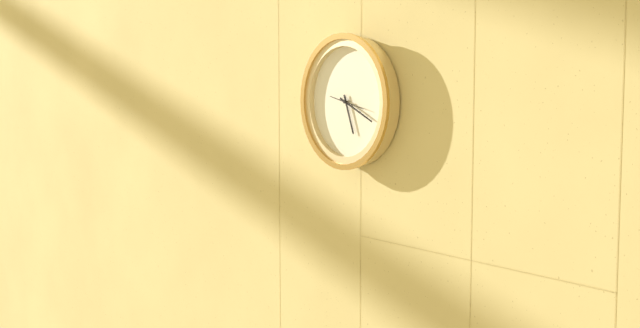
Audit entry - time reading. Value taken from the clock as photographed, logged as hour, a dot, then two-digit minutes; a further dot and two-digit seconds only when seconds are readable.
5.19
